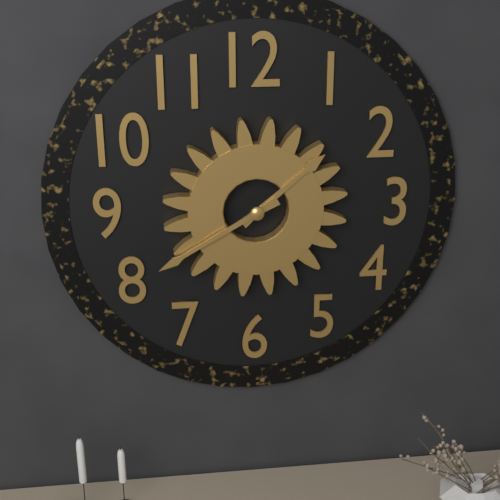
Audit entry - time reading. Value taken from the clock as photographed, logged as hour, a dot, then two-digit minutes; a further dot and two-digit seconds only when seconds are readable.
1.40
